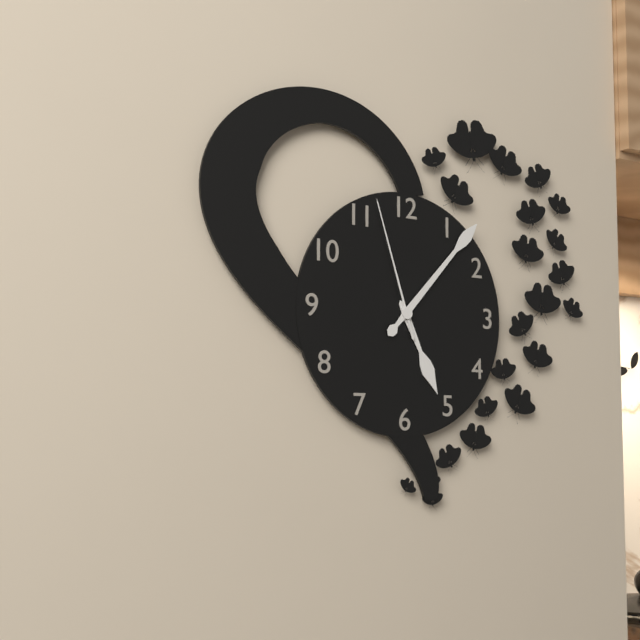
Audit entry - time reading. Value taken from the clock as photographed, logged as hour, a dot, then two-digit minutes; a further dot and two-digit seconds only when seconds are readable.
5.07.57
